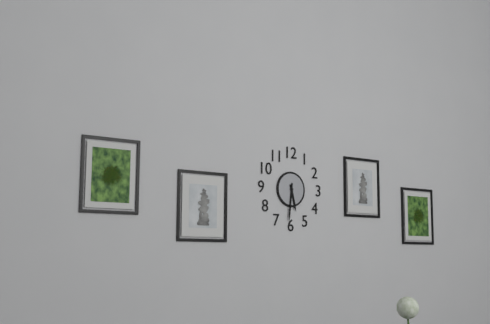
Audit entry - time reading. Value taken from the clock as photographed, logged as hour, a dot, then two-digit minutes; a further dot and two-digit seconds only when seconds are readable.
5.31
